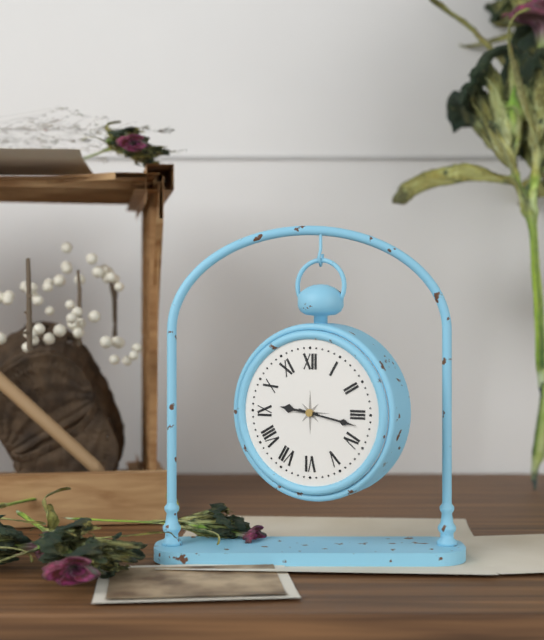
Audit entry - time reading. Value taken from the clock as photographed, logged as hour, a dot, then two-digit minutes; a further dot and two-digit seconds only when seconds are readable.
9.17
